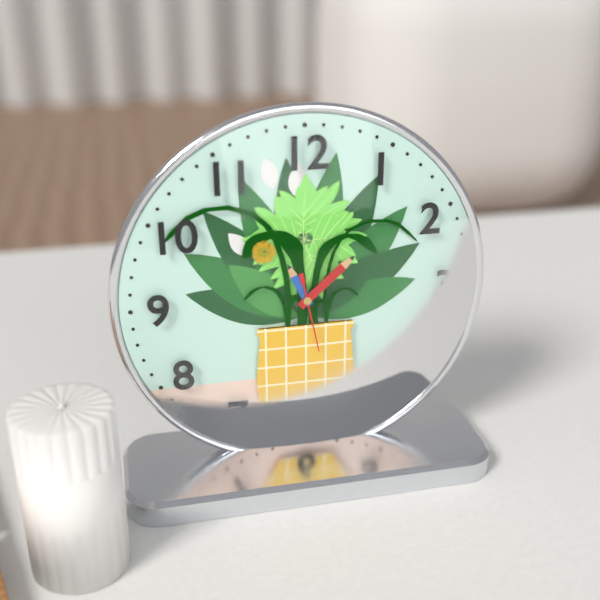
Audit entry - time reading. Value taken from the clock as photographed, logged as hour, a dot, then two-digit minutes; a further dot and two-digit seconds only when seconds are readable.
11.08.28
